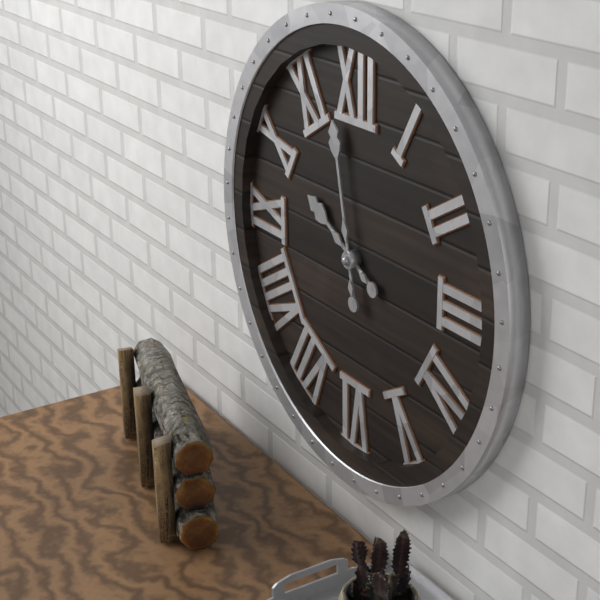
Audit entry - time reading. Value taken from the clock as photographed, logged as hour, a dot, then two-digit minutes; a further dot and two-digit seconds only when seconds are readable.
9.58
